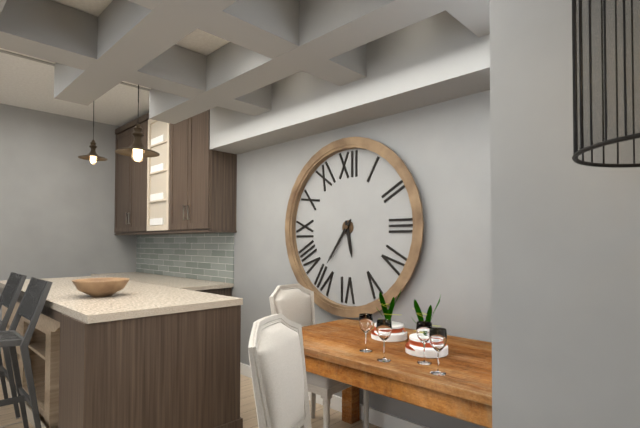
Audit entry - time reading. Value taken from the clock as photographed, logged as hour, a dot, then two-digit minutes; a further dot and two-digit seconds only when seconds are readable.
5.36
